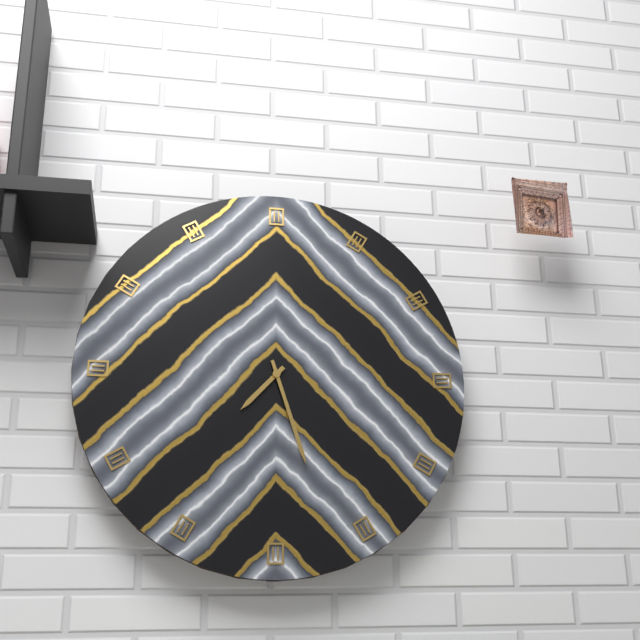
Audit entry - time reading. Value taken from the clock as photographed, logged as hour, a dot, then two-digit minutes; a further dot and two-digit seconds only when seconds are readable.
7.27
